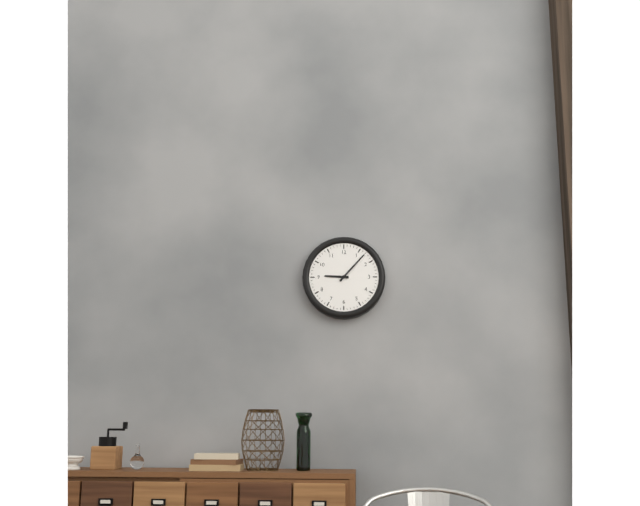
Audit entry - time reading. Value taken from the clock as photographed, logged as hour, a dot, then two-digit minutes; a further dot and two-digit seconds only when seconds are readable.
9.07
